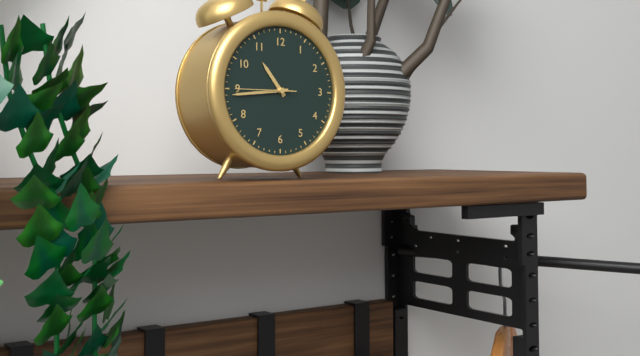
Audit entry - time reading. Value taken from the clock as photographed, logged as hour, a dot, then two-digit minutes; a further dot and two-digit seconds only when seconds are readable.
10.44.45
